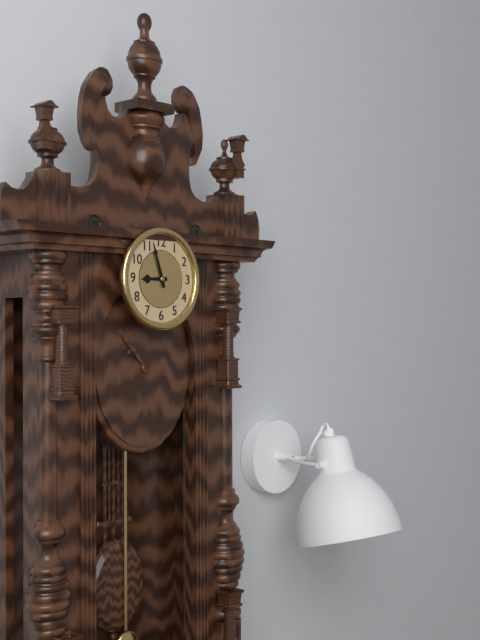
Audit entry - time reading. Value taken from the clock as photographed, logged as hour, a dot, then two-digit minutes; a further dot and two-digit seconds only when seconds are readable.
8.57
